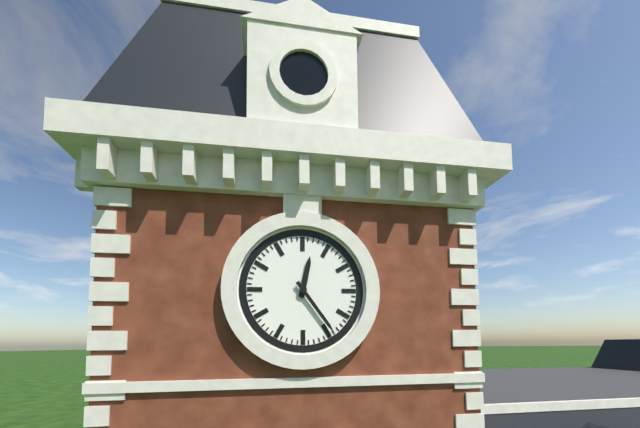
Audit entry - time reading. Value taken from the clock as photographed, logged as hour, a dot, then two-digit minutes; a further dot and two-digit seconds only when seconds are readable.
12.24
